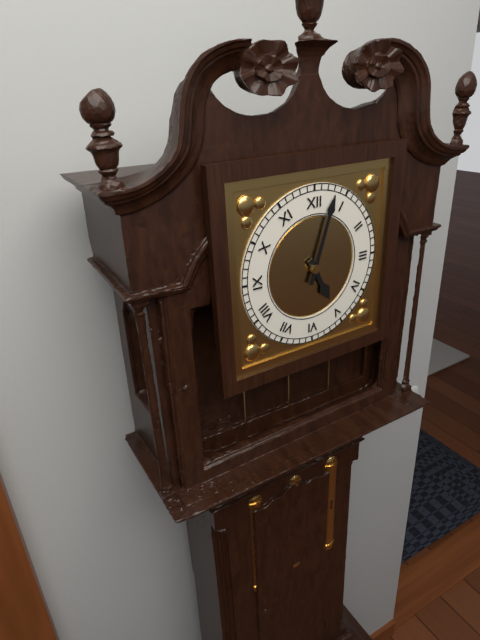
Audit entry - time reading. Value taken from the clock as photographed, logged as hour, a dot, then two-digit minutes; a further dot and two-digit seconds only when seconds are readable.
5.03
